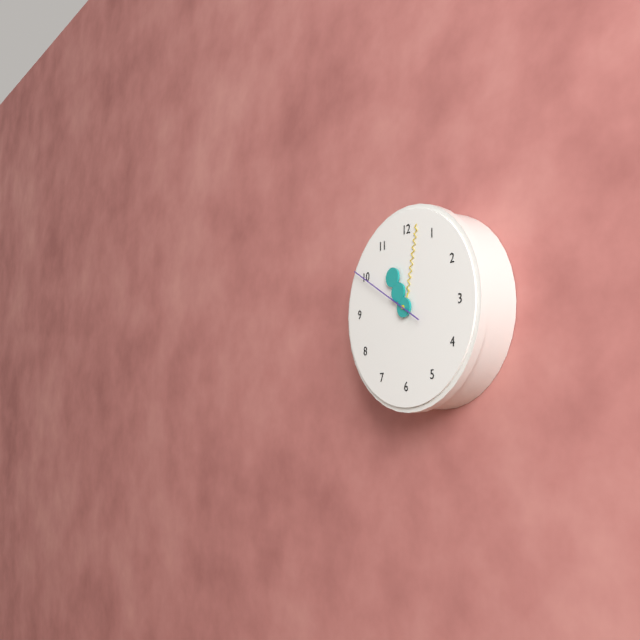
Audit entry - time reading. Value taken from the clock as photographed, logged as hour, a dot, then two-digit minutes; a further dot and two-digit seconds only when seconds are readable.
11.02.50
